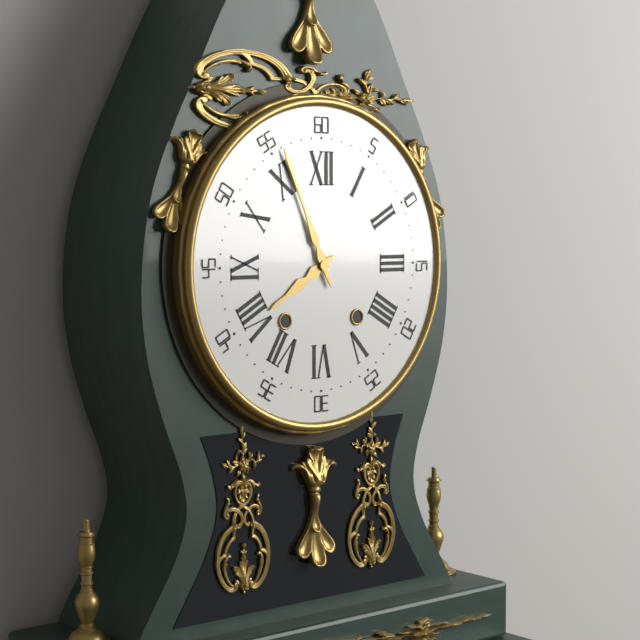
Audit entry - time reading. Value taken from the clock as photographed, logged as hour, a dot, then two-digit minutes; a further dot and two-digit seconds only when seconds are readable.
7.56
